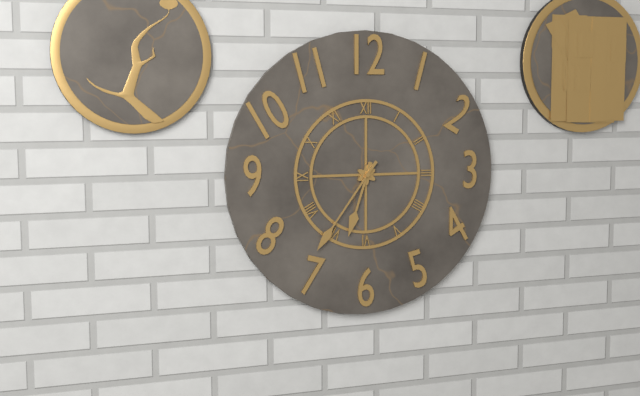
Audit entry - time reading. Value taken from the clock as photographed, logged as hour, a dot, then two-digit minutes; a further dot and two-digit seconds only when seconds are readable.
6.36
